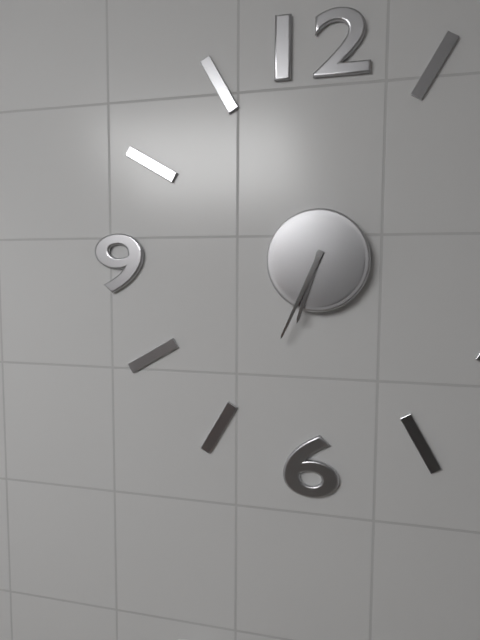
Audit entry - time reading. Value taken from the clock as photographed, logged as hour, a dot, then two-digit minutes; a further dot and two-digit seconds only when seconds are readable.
6.34
